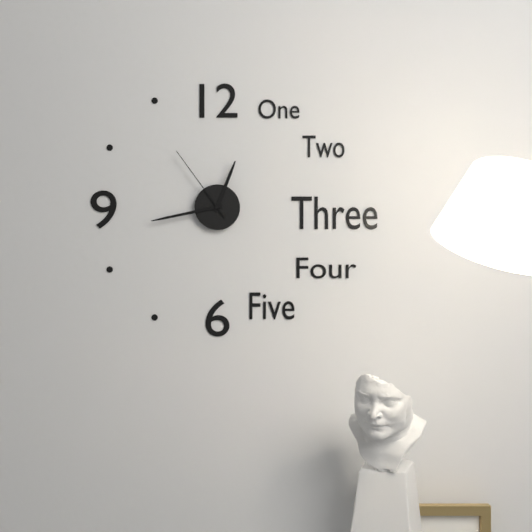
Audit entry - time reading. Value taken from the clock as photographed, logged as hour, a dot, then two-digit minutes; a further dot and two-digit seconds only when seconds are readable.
12.43.54
